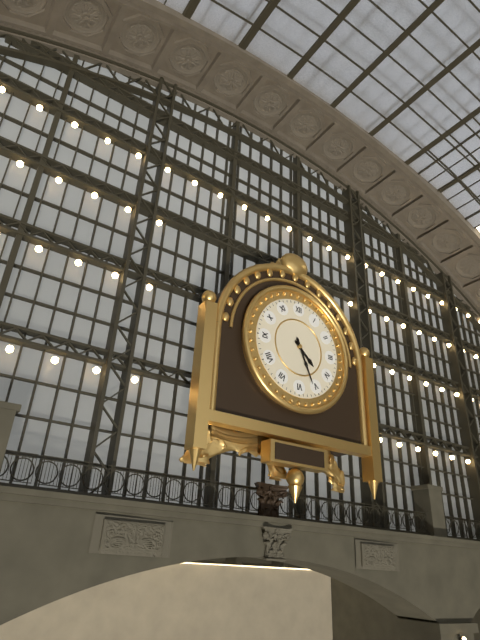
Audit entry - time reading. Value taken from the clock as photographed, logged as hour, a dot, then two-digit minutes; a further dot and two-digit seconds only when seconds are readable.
4.26
